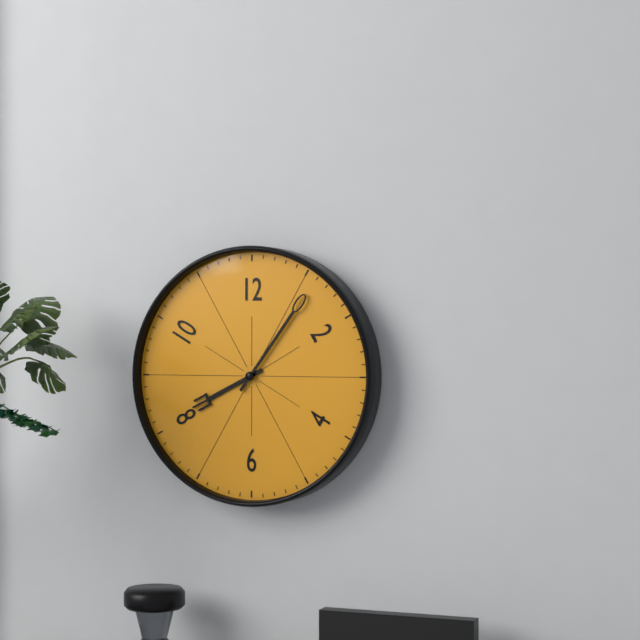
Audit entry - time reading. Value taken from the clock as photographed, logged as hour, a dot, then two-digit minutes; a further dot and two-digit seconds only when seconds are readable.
8.06
